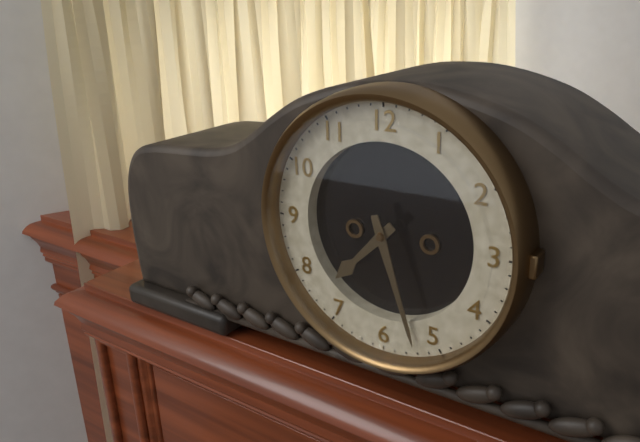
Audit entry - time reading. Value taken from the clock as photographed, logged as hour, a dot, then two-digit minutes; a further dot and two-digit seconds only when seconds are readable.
7.27
